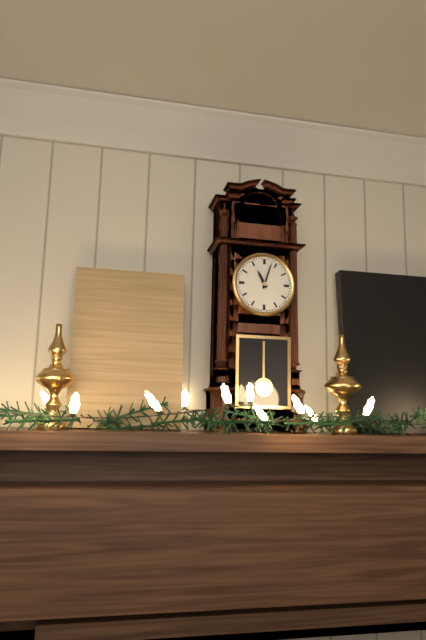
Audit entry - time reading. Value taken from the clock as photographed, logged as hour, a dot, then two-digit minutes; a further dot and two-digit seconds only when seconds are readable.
11.03
